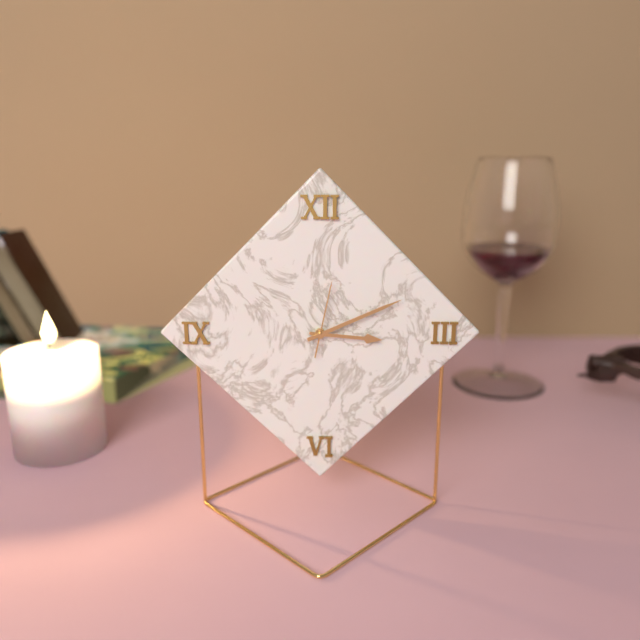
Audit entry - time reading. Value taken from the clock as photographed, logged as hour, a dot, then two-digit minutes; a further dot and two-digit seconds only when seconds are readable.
3.11.02
